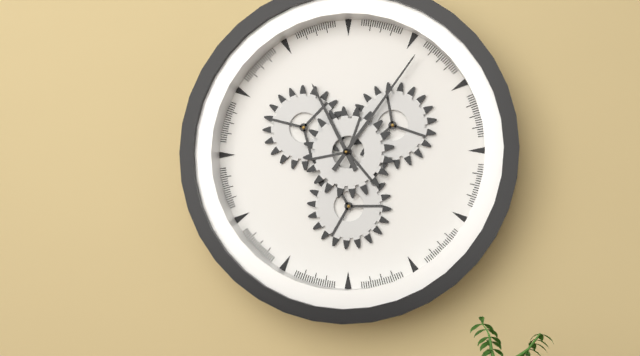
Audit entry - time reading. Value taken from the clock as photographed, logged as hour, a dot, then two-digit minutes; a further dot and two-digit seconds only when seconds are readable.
11.06
